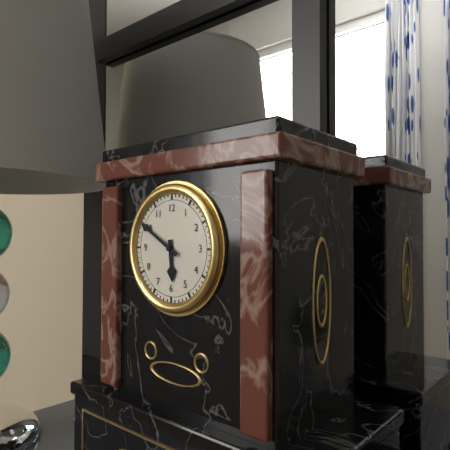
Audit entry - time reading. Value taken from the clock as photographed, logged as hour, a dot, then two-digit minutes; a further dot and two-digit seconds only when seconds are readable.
5.50
